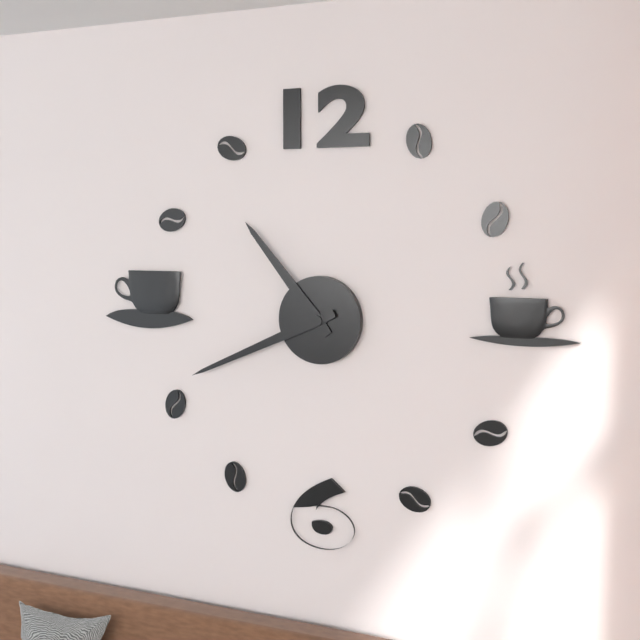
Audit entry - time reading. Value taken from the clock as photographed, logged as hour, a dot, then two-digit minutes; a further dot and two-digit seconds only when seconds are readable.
10.41
